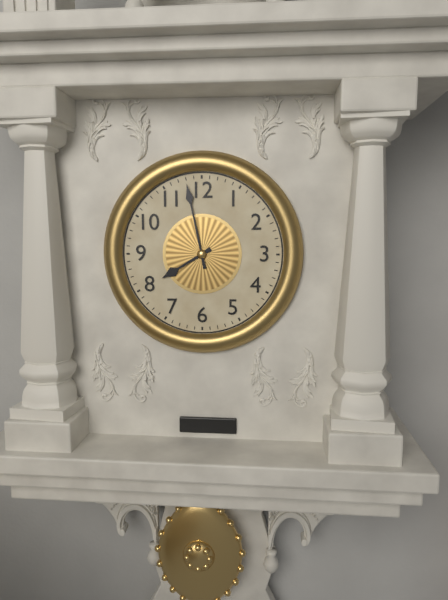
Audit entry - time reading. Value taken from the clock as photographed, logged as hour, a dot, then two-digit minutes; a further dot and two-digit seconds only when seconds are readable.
7.58
